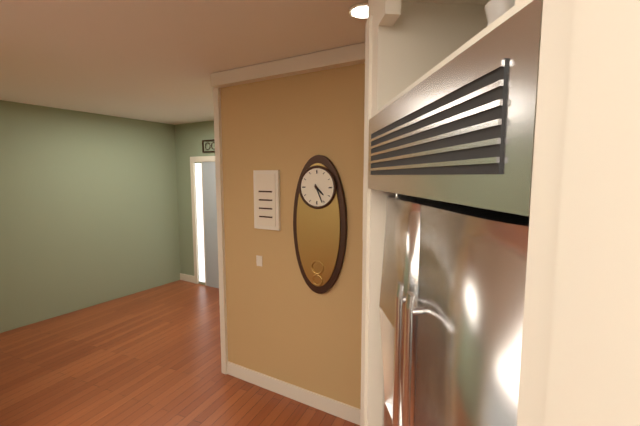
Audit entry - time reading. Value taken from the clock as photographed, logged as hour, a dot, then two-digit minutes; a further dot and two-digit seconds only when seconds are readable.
4.26
